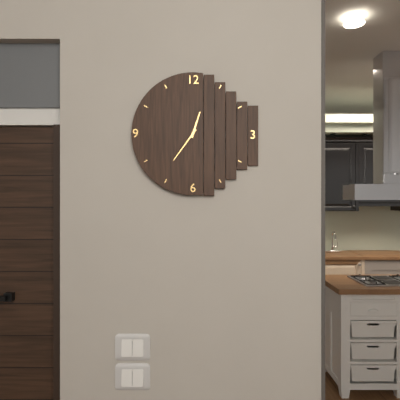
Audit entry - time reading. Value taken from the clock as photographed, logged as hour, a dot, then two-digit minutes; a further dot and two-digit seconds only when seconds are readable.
12.36
